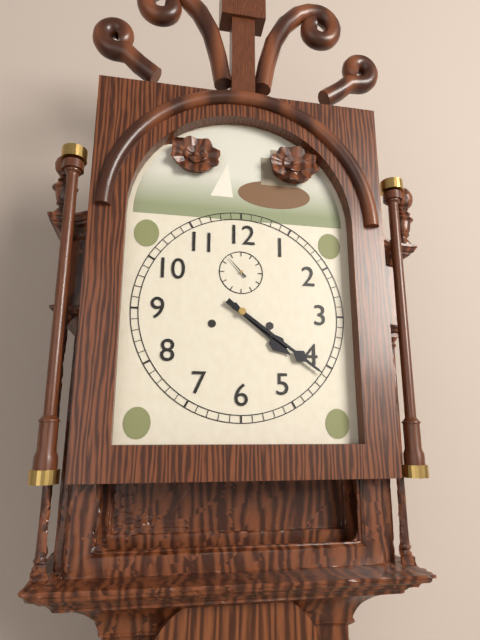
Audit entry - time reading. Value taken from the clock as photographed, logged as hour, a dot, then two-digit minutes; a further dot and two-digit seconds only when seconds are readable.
4.21
